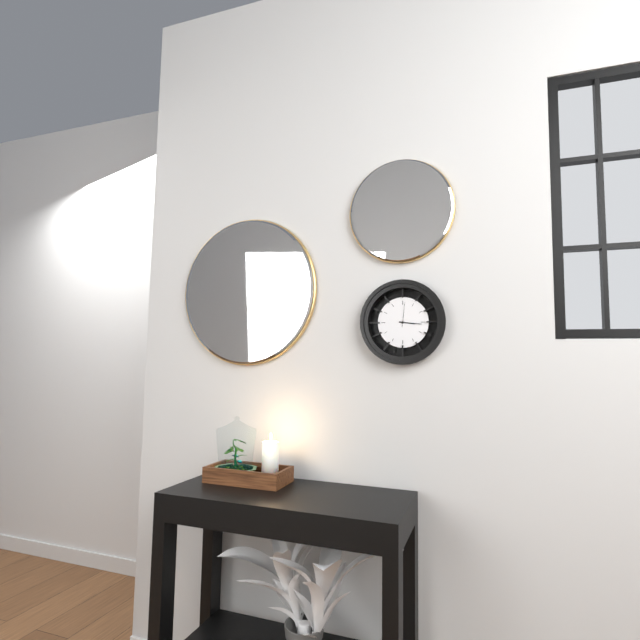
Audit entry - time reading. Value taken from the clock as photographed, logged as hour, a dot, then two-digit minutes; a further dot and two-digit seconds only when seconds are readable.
3.16
